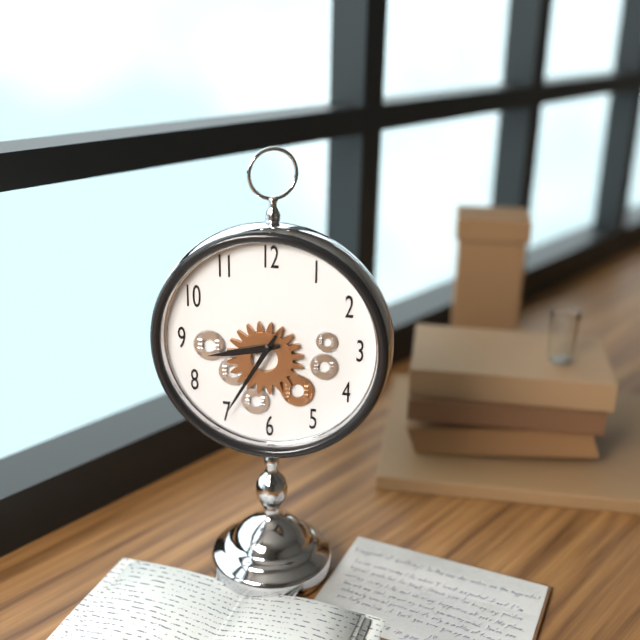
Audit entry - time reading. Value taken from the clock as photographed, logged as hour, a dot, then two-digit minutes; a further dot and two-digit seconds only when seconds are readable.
8.35
